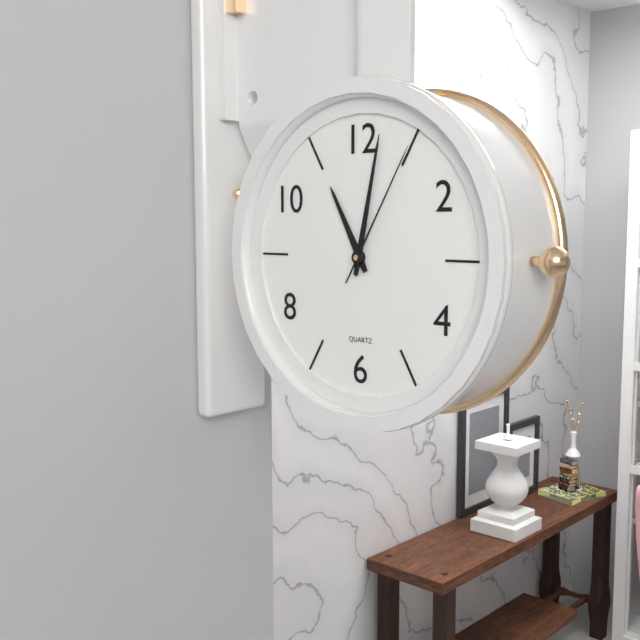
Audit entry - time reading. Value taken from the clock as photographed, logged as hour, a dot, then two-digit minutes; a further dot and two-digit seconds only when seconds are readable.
11.02.05
